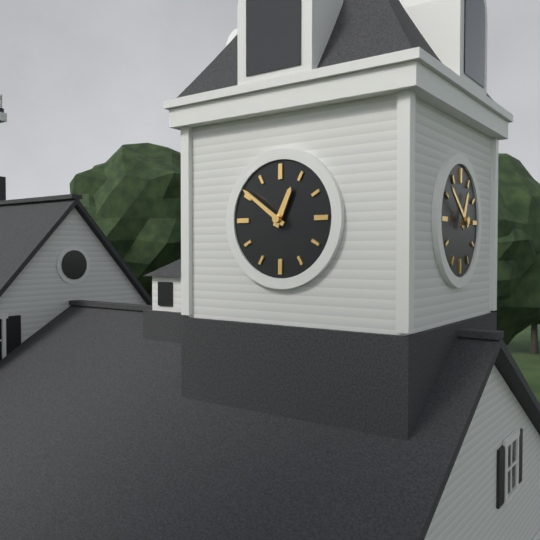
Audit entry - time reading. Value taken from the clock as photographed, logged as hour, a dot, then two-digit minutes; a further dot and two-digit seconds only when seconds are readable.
12.51
